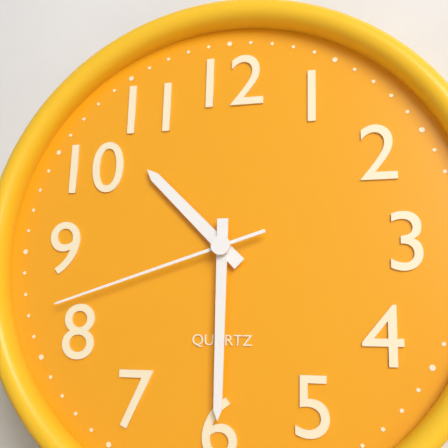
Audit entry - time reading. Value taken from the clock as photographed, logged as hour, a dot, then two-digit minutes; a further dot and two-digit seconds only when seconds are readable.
10.30.42
